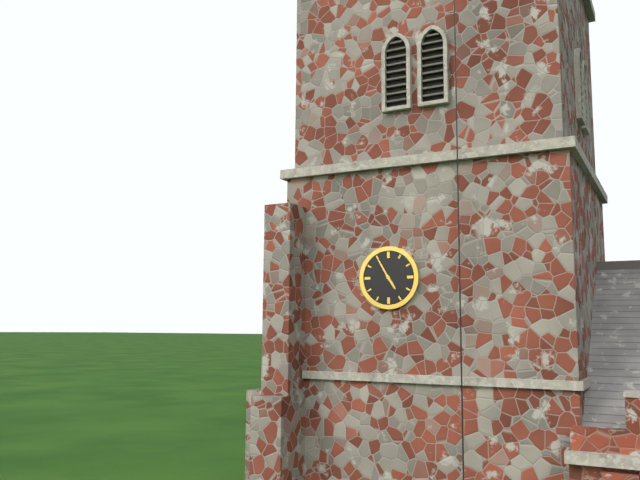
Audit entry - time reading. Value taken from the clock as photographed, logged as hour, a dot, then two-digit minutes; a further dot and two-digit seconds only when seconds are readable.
4.55
